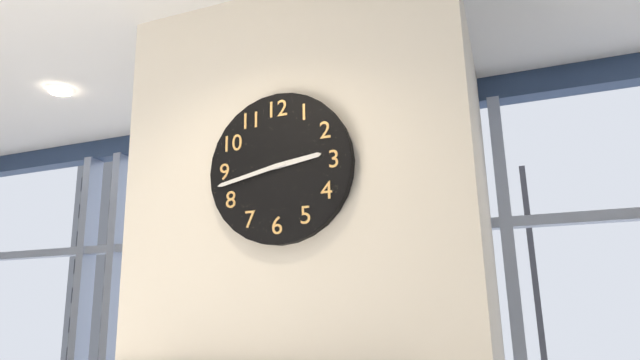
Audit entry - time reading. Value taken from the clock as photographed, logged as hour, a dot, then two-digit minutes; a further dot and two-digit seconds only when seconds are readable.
2.43
